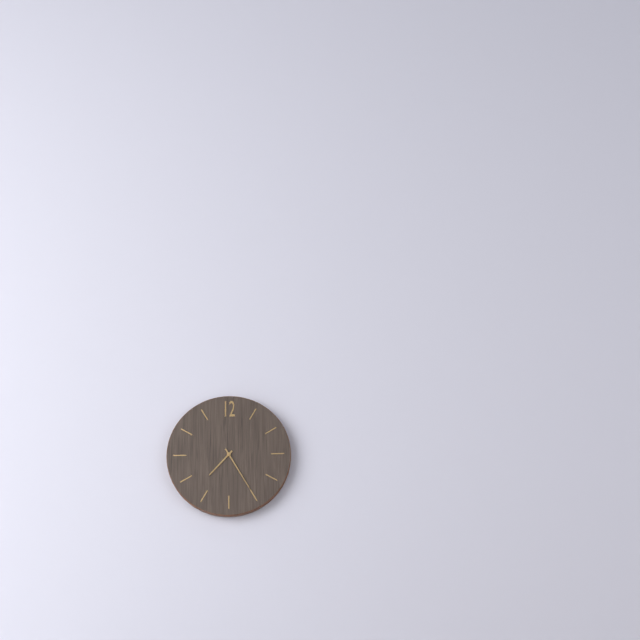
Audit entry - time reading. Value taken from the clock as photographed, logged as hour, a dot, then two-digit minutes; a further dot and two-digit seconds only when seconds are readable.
7.25
